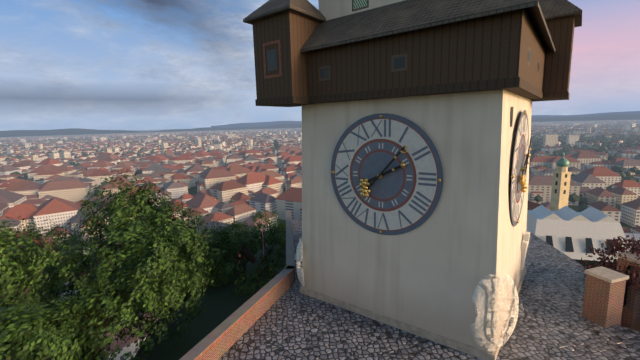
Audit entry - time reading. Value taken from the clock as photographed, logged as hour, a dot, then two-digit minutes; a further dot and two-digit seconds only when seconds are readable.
2.07
